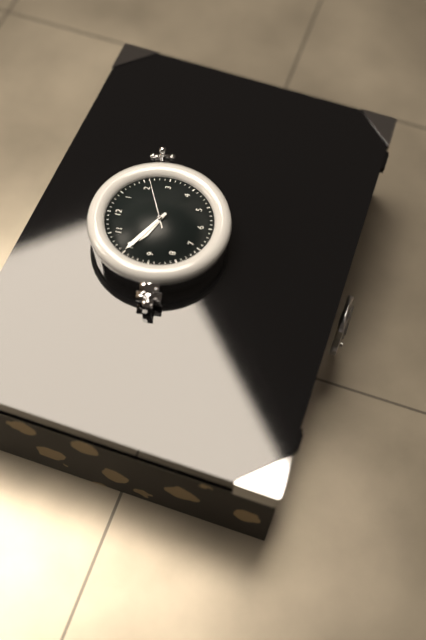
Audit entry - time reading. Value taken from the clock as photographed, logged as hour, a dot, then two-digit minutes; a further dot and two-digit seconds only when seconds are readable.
9.50.11
